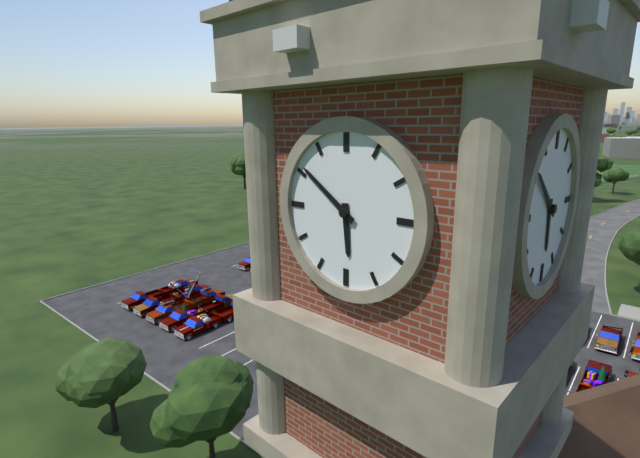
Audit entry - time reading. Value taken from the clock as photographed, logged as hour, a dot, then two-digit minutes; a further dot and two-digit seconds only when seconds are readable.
5.51
